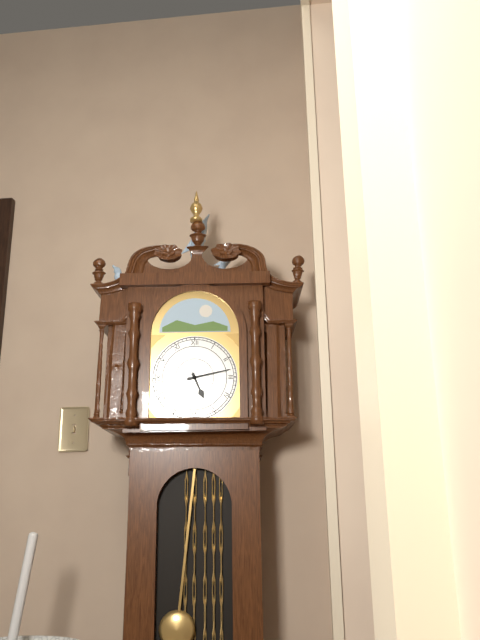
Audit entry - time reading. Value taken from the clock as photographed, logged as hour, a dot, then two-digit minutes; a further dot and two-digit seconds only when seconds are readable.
5.13
